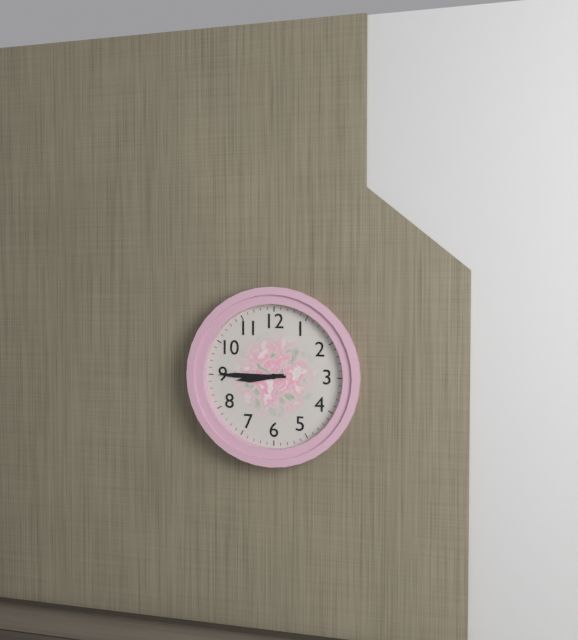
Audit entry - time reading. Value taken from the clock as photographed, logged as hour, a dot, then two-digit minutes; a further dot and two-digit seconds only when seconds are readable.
8.45
